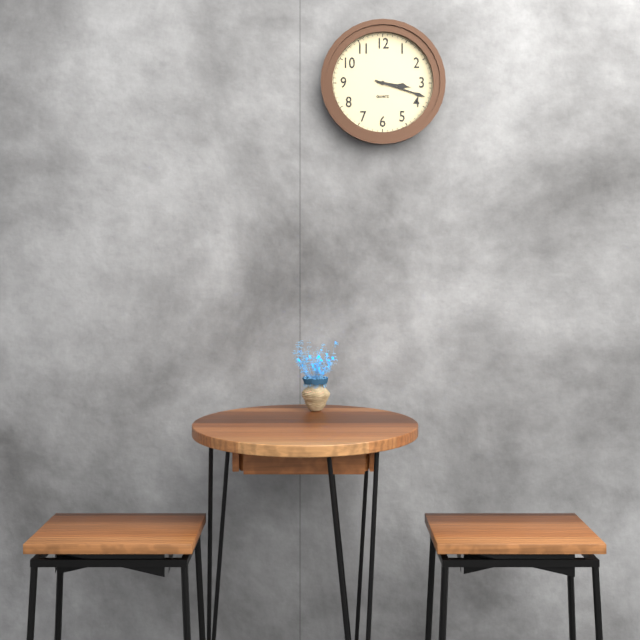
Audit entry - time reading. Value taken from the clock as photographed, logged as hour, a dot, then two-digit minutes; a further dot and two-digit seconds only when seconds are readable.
3.18
